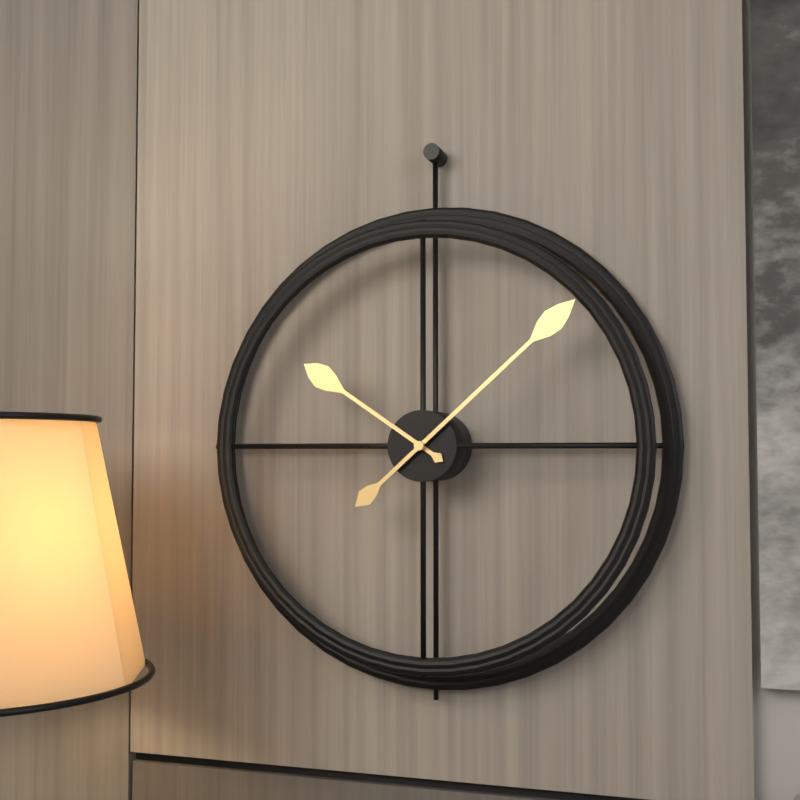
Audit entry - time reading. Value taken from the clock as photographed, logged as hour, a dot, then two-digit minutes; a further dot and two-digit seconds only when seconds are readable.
10.08
